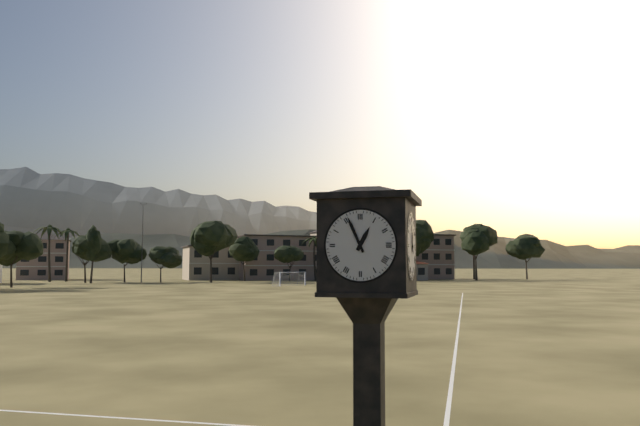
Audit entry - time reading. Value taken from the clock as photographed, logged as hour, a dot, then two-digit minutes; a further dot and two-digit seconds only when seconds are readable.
12.56
